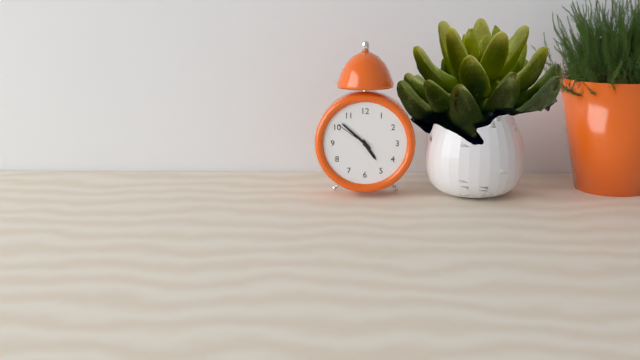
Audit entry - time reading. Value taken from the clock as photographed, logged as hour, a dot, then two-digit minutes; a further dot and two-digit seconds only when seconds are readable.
4.52
